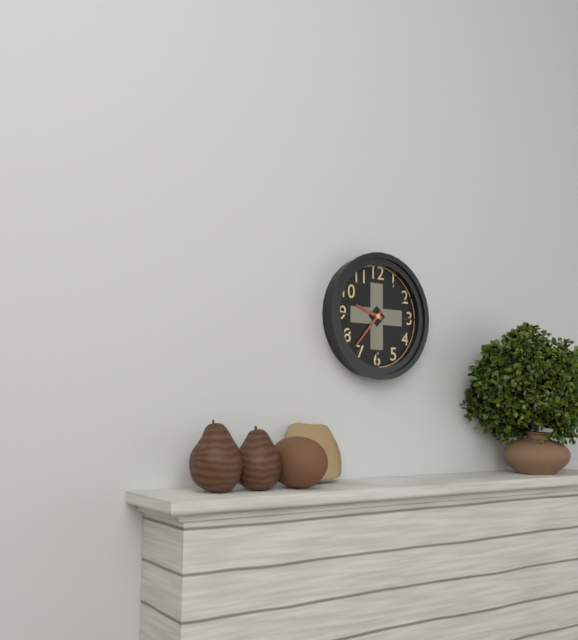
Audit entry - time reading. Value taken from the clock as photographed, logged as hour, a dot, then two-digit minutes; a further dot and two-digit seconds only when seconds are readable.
9.37
